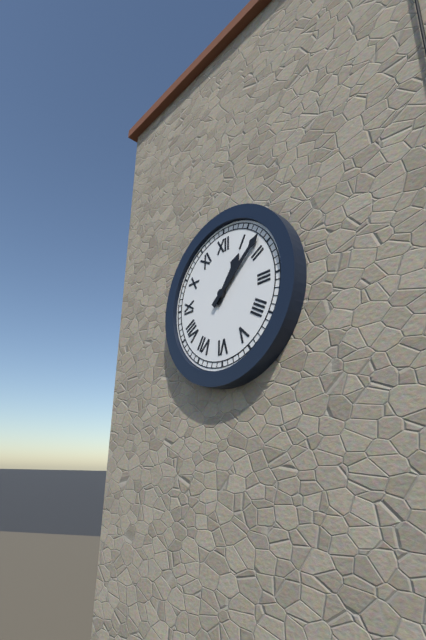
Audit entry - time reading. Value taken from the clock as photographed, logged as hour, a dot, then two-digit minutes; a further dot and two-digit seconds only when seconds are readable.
1.08
